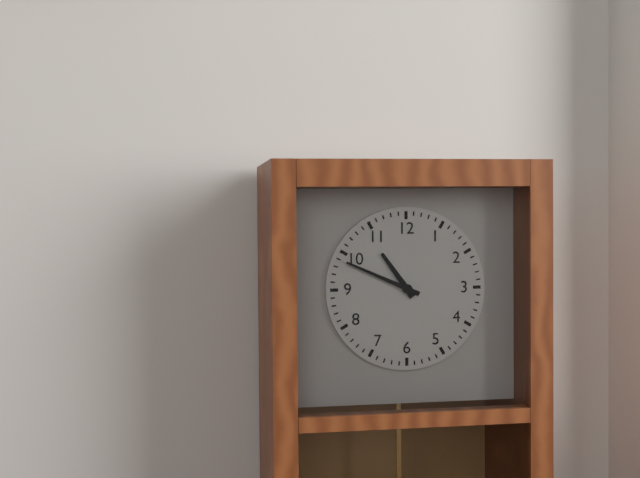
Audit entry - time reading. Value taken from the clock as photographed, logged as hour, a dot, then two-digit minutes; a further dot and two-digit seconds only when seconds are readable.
10.49
